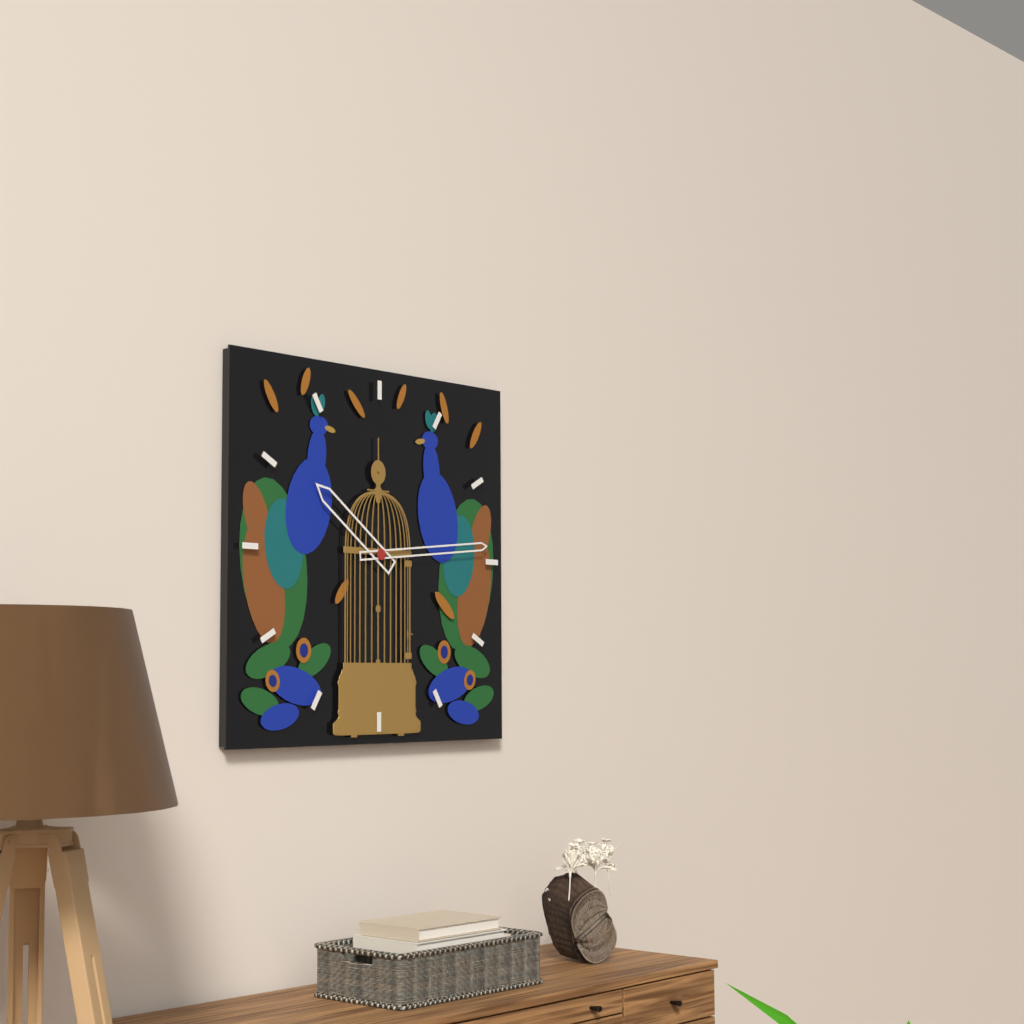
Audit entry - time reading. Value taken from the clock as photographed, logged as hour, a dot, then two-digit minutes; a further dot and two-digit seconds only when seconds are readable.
10.14
